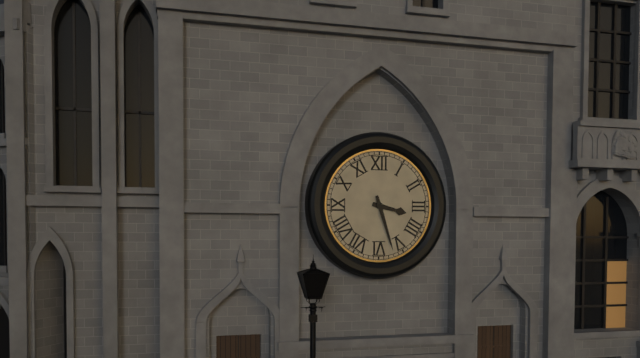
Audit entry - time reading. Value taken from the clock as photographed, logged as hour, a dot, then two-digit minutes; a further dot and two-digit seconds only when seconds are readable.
3.27
